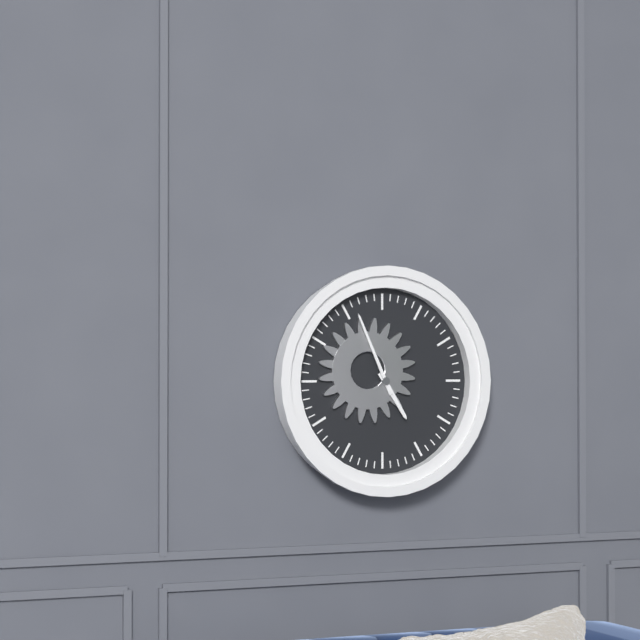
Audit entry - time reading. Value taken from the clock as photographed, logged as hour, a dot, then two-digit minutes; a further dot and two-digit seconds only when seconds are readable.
4.56
